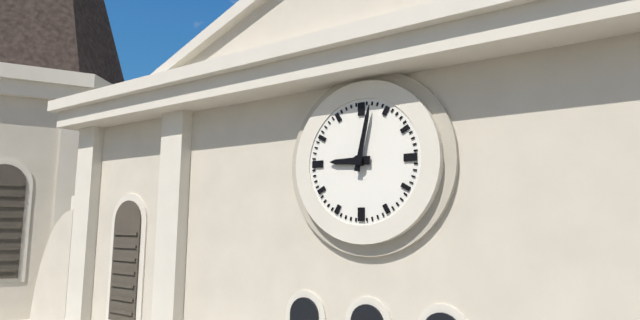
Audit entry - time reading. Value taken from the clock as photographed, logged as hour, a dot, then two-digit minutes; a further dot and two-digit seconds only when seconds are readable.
9.02
